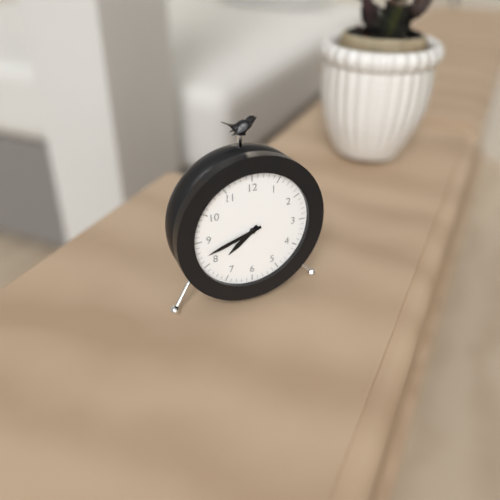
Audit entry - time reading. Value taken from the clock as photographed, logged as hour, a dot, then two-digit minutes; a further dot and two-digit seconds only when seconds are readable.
7.42
